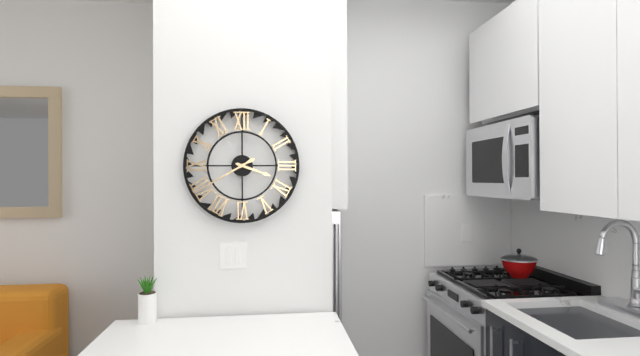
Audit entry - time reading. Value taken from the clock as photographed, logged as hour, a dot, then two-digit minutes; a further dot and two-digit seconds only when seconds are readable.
3.40
